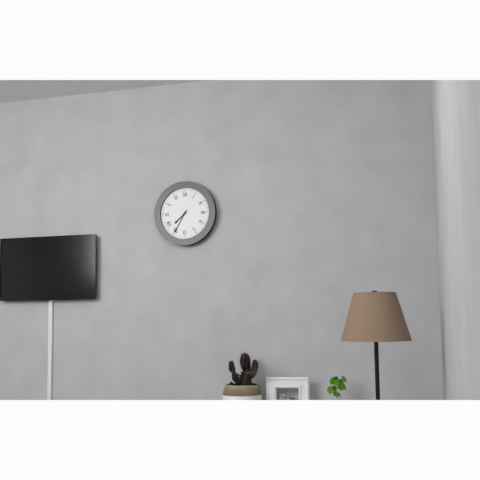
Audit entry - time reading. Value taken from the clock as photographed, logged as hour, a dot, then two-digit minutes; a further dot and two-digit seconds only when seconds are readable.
7.35
